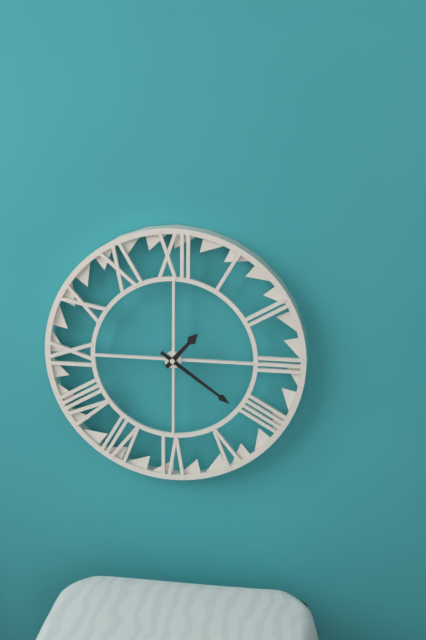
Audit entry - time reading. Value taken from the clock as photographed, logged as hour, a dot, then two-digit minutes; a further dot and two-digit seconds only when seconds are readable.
1.21
